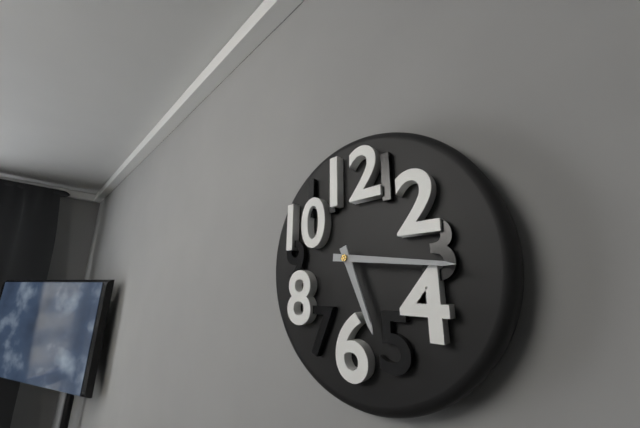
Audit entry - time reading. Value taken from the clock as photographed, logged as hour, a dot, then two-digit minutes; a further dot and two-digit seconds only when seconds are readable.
5.16
